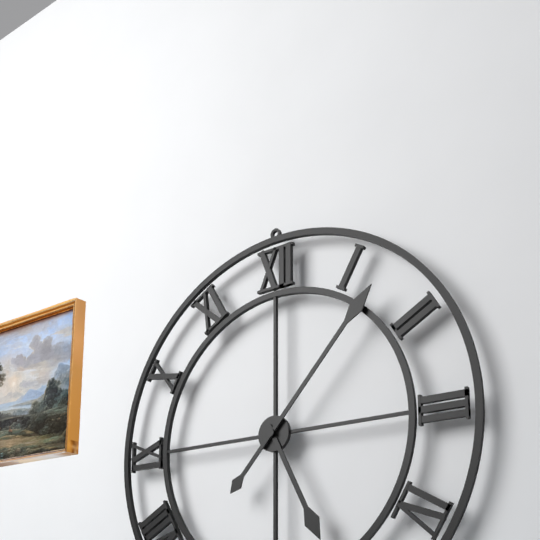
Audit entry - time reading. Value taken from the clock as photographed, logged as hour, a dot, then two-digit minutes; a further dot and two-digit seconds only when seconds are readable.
5.07
